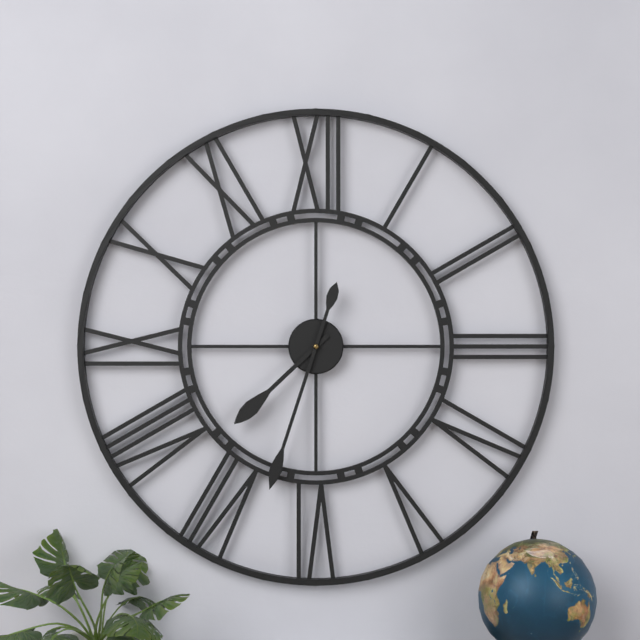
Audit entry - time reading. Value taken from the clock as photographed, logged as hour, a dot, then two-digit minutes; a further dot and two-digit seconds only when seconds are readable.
7.33
